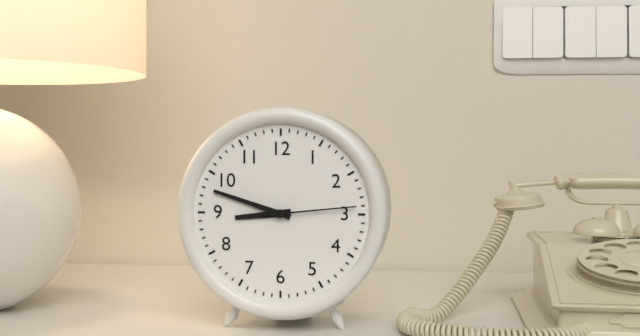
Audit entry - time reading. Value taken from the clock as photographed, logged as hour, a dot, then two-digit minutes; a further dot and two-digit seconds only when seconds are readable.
8.48.14
